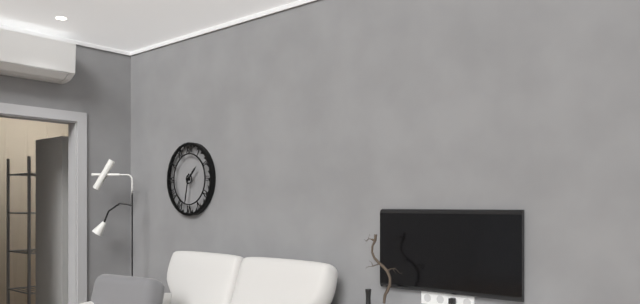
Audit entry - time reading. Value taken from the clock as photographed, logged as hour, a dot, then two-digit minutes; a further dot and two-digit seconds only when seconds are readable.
1.32
